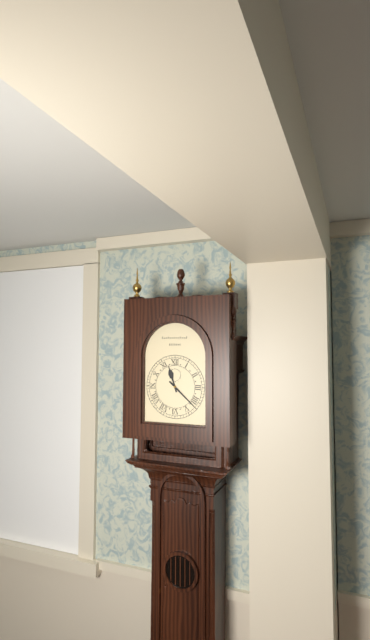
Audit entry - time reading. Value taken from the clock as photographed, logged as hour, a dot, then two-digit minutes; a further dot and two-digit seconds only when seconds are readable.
11.22
